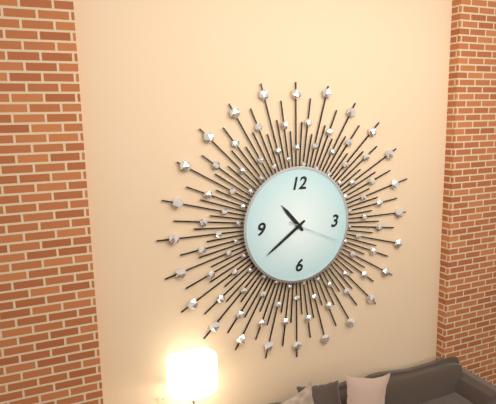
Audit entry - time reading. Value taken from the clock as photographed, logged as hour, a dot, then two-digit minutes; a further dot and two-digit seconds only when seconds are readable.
10.39.19
